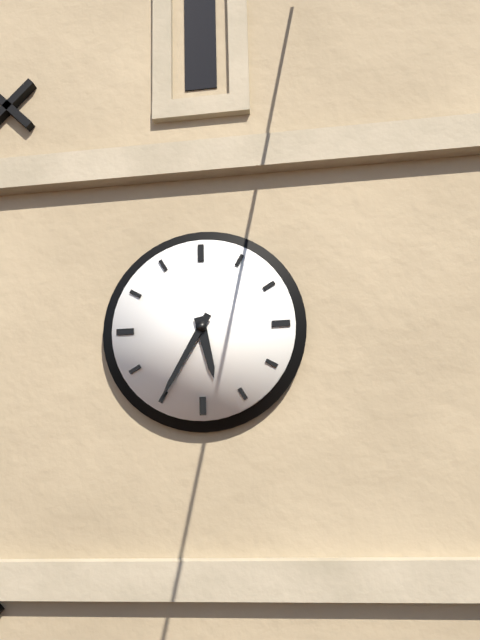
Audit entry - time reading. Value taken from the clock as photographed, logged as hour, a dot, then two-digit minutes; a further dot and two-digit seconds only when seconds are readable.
5.35
